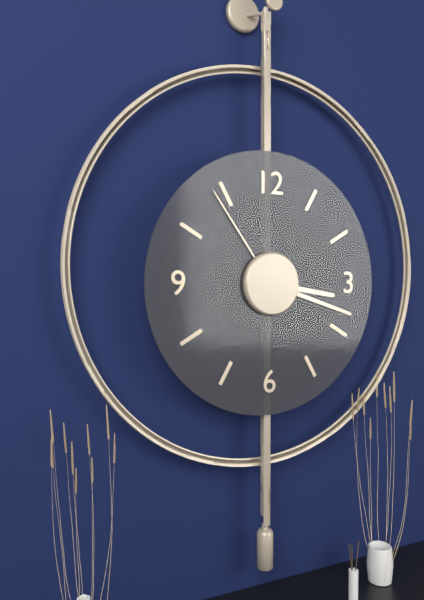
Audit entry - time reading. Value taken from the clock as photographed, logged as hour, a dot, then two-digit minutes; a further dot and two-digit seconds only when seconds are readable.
3.18.54
